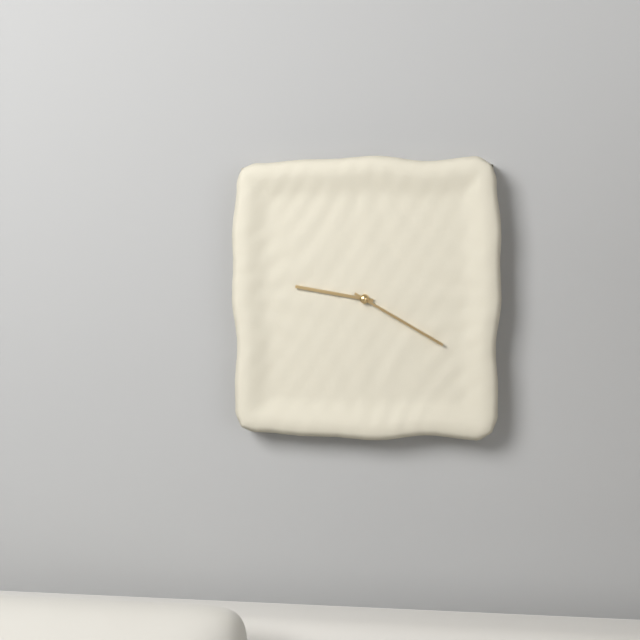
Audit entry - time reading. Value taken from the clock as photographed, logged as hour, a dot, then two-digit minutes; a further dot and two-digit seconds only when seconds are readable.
9.20
